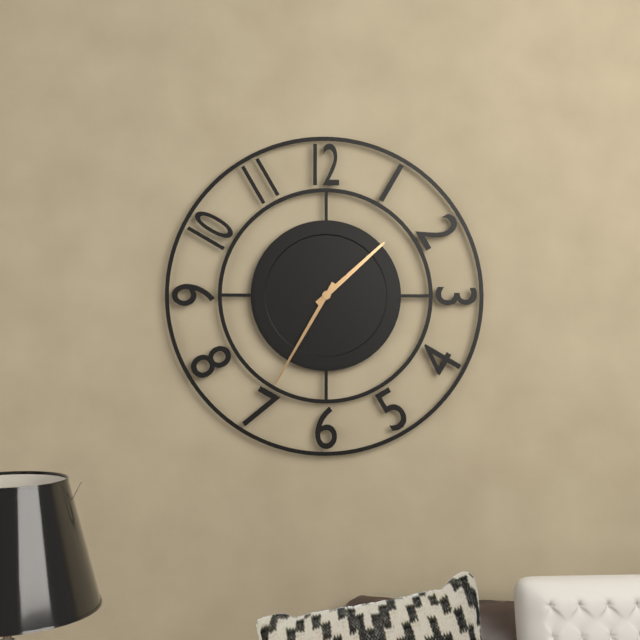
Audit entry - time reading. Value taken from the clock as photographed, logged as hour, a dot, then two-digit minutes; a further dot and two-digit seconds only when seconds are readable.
1.35
